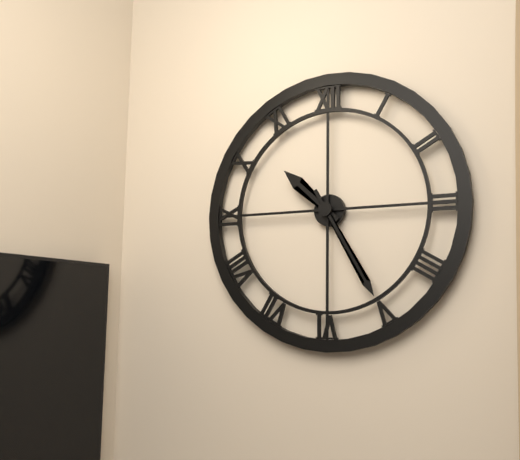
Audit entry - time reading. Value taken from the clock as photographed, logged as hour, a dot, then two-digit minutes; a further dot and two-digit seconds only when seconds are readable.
10.25
